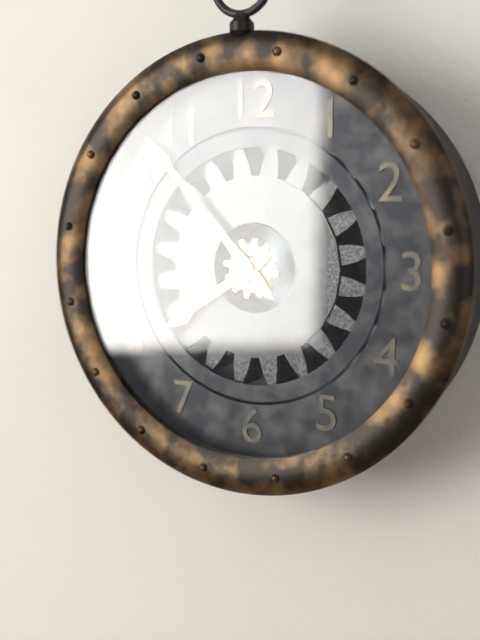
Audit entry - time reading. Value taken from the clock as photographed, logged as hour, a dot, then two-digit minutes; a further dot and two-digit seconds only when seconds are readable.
7.53
